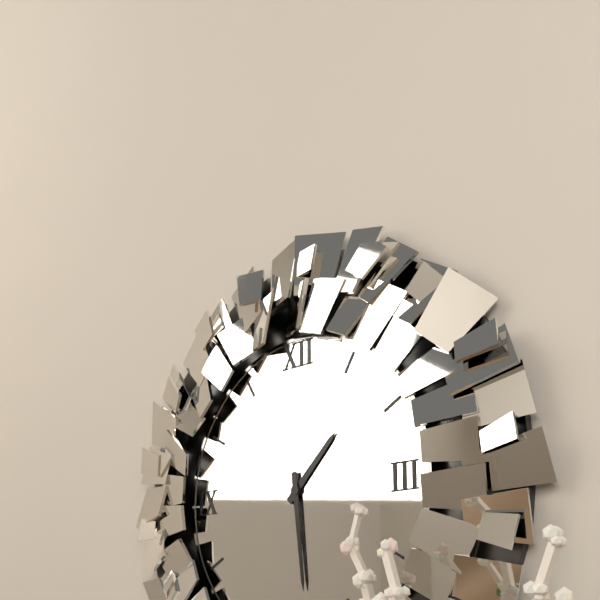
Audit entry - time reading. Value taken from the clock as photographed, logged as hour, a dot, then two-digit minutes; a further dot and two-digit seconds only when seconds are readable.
1.29
